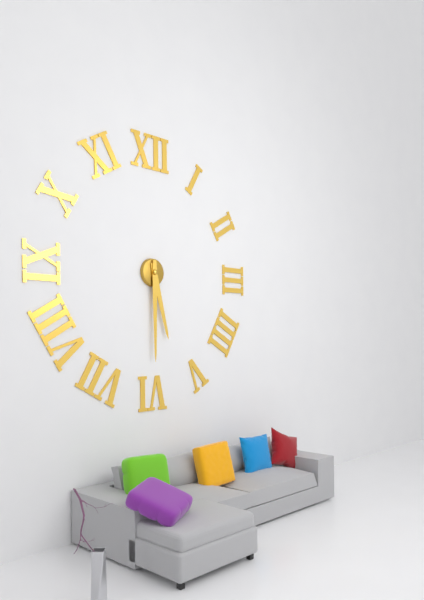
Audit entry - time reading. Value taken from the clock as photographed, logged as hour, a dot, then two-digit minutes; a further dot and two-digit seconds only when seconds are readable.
5.30
